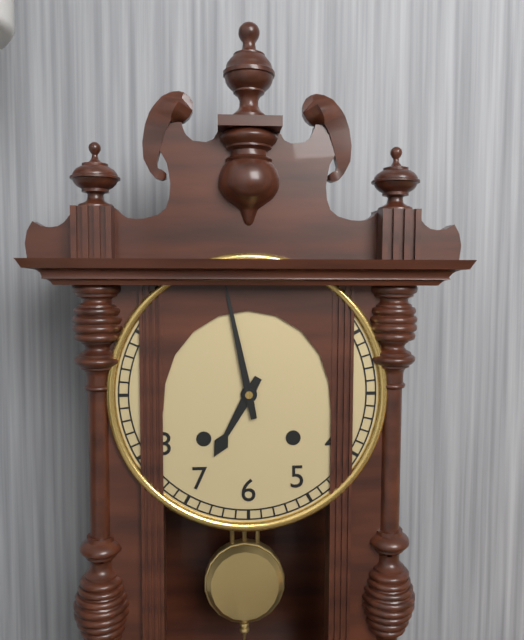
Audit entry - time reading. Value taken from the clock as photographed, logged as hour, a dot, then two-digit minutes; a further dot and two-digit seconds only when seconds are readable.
6.58
